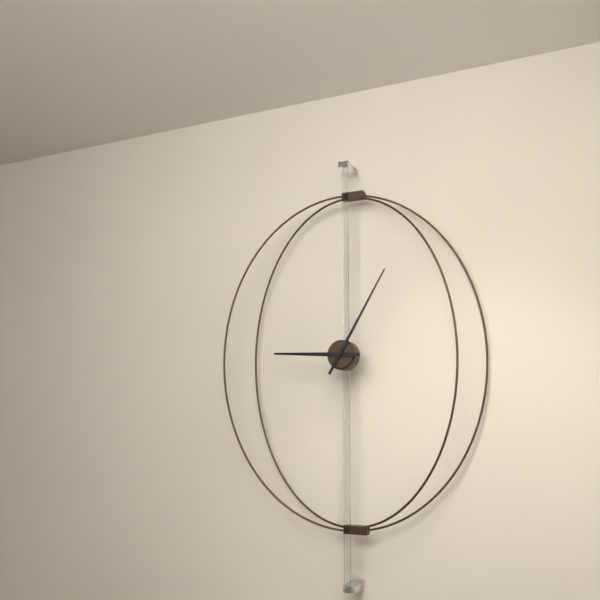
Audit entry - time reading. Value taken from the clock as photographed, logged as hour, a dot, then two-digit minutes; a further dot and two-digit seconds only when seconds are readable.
9.05
